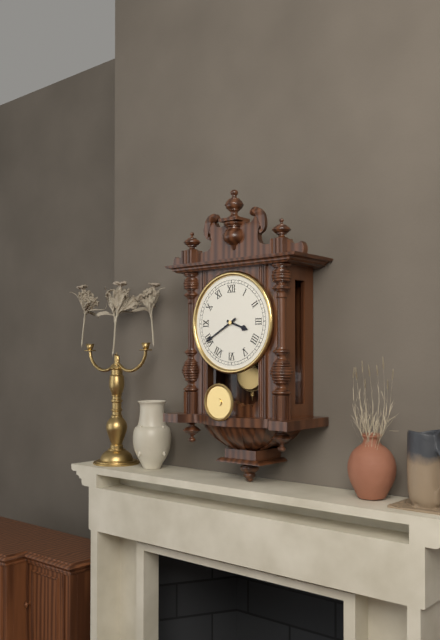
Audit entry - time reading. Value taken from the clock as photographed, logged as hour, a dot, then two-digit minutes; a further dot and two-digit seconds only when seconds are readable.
3.40
